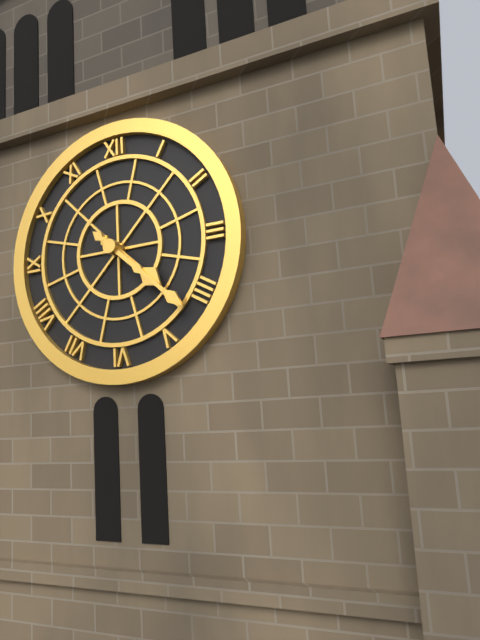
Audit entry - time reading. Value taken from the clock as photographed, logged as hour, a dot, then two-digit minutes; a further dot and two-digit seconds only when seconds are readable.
4.22
